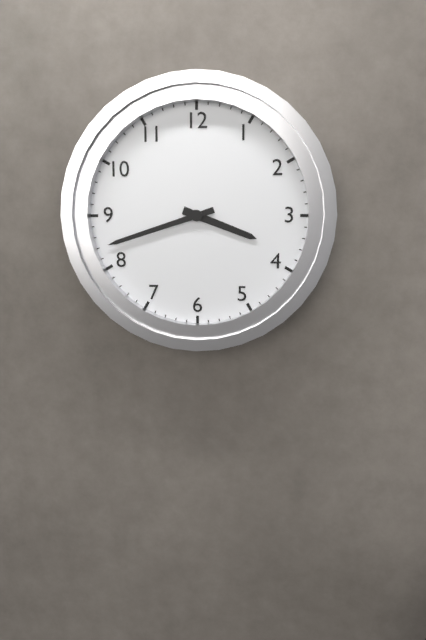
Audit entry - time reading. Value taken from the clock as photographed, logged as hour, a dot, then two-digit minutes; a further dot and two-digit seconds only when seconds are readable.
3.42
